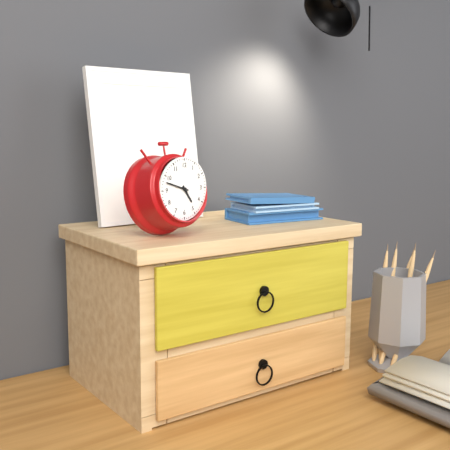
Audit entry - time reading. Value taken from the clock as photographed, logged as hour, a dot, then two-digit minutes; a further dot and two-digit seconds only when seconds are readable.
4.48
